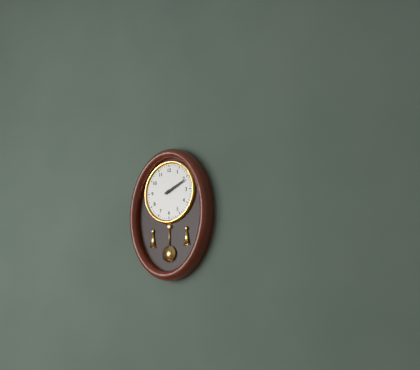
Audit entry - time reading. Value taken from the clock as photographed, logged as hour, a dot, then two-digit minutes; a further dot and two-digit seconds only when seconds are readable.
2.11
